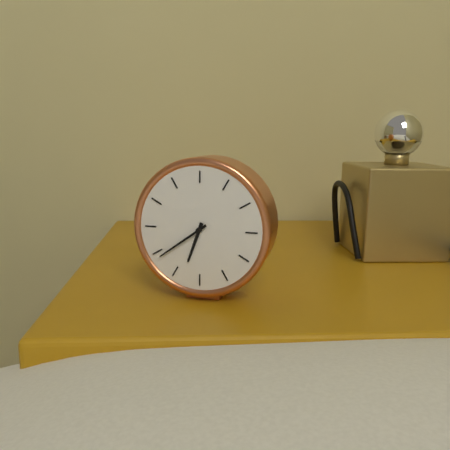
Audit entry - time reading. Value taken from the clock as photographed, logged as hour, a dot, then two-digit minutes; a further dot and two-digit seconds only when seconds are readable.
6.39
